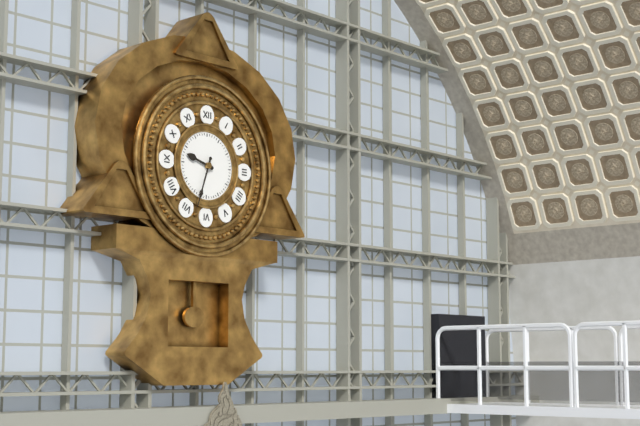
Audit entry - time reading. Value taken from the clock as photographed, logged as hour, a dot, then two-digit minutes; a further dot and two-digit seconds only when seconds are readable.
9.33
